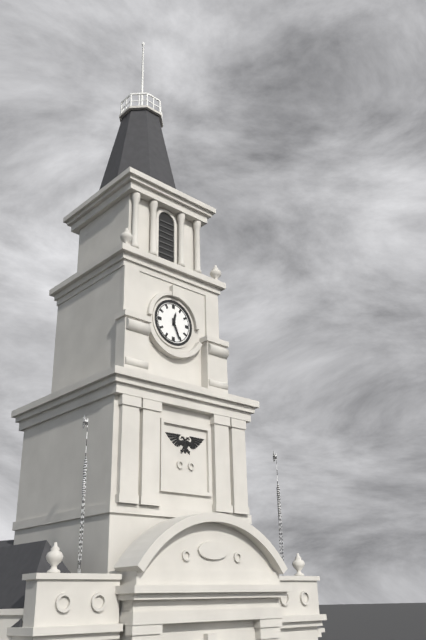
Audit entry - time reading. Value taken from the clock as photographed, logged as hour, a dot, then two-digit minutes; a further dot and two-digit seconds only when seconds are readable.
12.26
